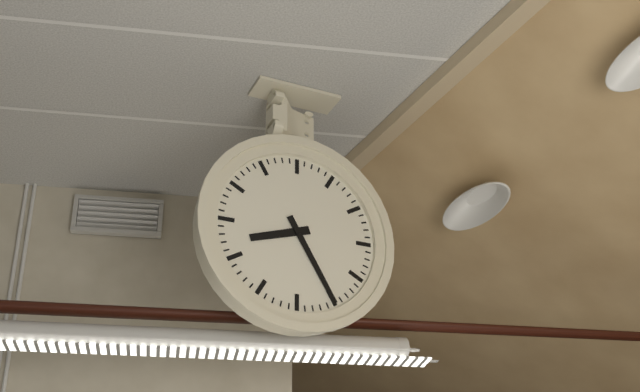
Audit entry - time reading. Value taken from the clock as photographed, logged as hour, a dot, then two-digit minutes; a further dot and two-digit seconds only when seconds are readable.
8.25
